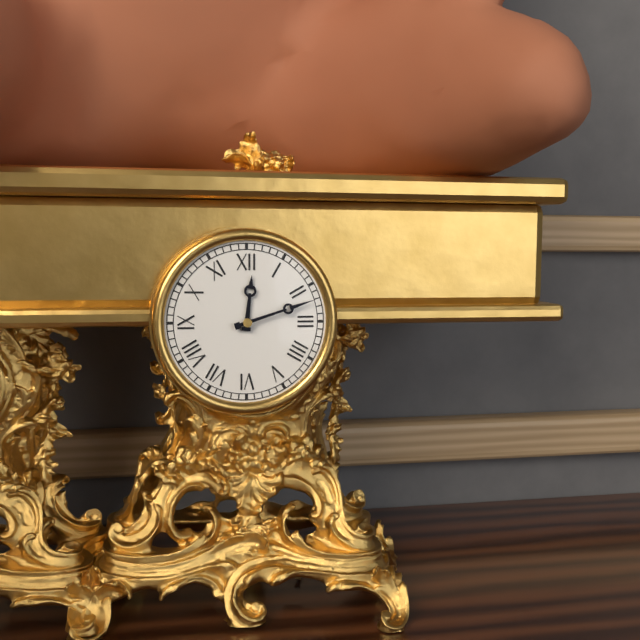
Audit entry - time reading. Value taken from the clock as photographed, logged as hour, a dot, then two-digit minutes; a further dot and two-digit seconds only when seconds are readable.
12.12
